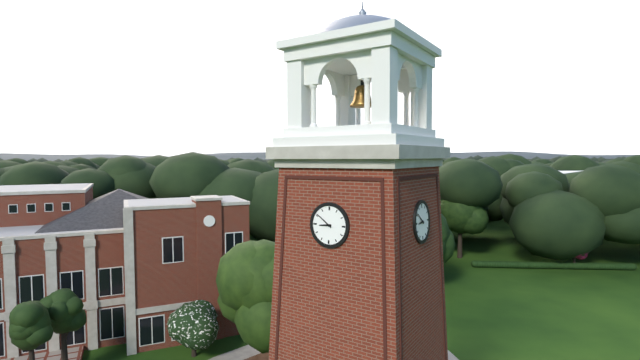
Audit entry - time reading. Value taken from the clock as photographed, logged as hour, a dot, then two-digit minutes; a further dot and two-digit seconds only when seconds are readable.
8.51
